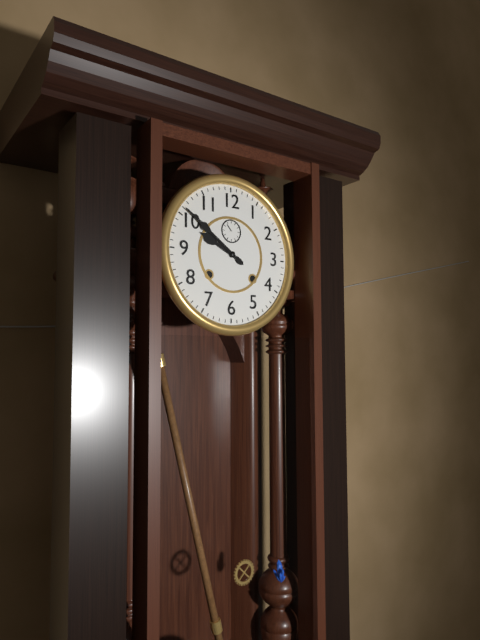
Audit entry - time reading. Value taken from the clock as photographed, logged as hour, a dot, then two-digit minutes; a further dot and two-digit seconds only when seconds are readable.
9.51
